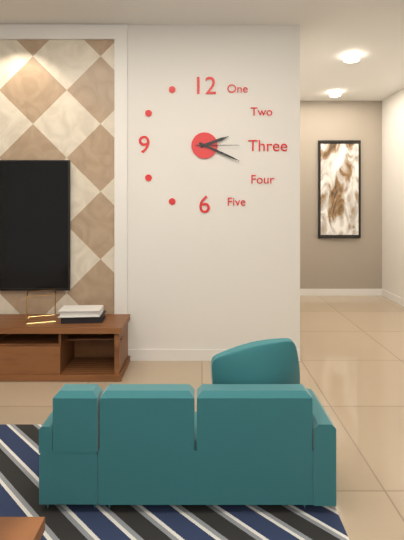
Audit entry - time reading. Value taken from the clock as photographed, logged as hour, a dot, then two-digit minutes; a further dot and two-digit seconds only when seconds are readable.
2.19
